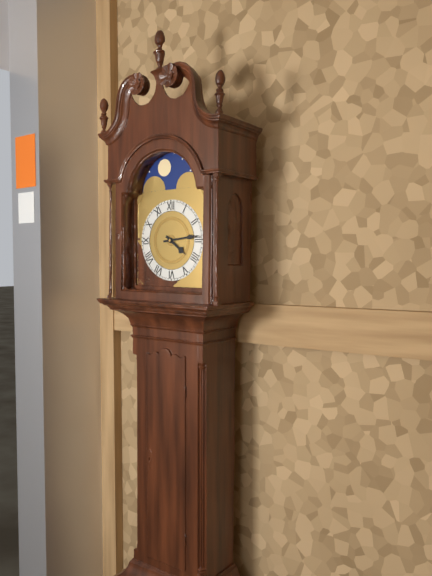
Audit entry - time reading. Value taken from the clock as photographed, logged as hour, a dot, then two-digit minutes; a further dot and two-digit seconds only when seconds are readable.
4.14
